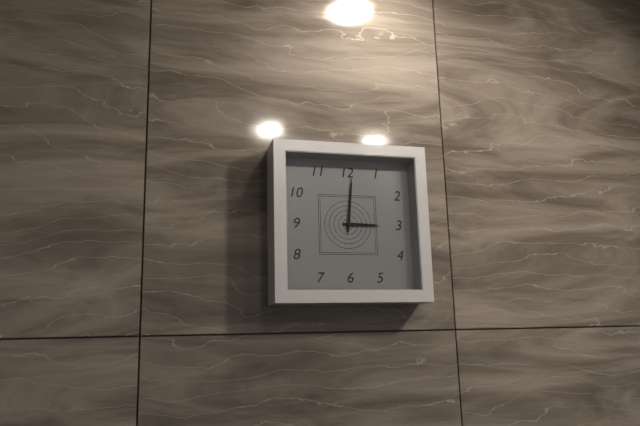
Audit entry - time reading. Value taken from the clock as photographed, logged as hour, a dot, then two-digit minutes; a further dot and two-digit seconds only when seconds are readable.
3.01
